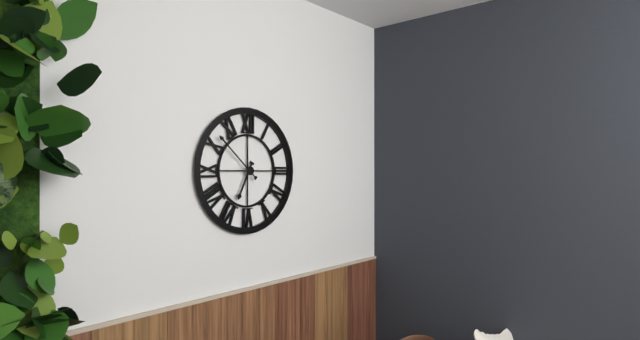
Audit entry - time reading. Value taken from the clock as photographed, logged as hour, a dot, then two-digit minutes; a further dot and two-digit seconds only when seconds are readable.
6.52
